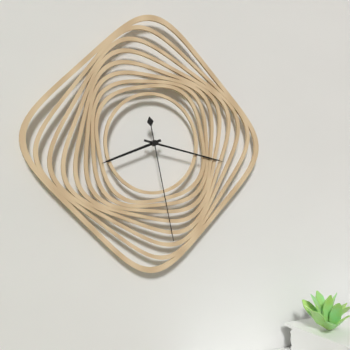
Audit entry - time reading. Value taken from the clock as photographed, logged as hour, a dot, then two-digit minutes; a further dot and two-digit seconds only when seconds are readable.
8.17.28
